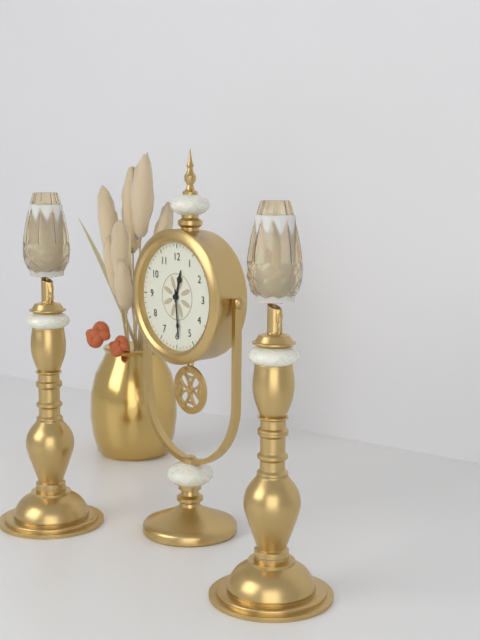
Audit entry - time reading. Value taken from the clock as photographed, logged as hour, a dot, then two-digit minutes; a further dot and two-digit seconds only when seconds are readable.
12.29
